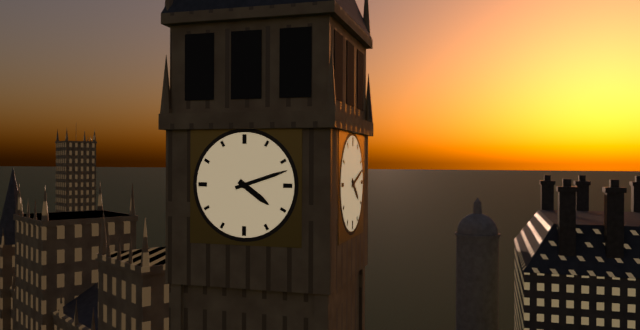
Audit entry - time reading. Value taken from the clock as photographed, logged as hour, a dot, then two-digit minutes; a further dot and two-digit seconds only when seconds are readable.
4.12
